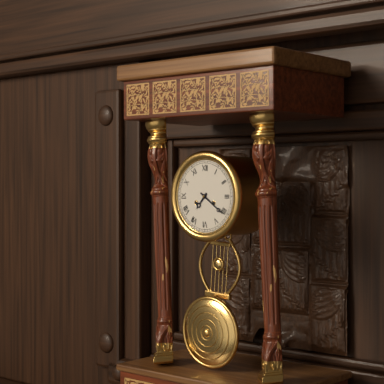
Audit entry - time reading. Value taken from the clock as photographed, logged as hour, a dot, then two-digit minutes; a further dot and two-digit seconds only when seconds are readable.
7.21
